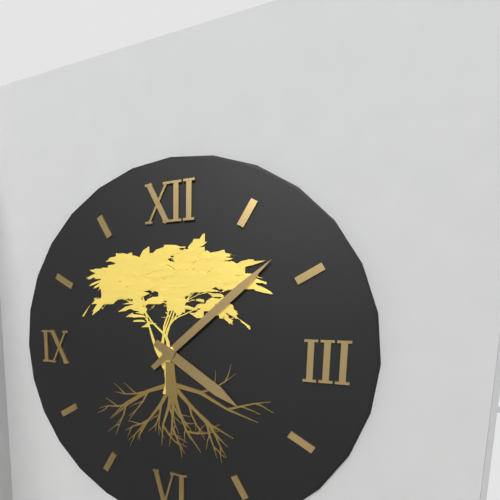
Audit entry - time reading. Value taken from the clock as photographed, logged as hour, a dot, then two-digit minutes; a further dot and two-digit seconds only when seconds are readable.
4.08
